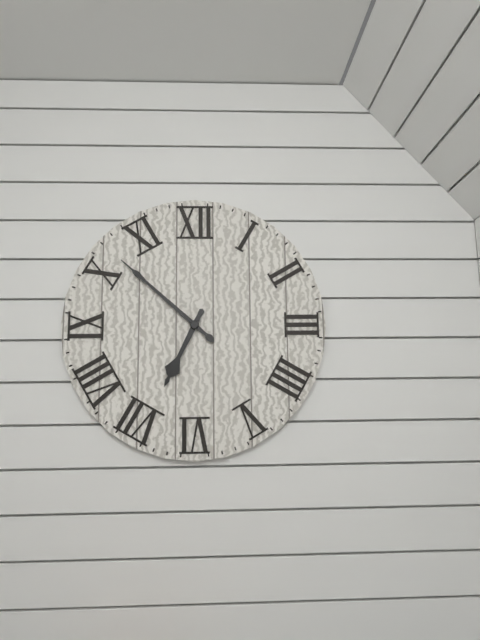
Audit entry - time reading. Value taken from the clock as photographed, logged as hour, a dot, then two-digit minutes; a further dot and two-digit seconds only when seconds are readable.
6.52
